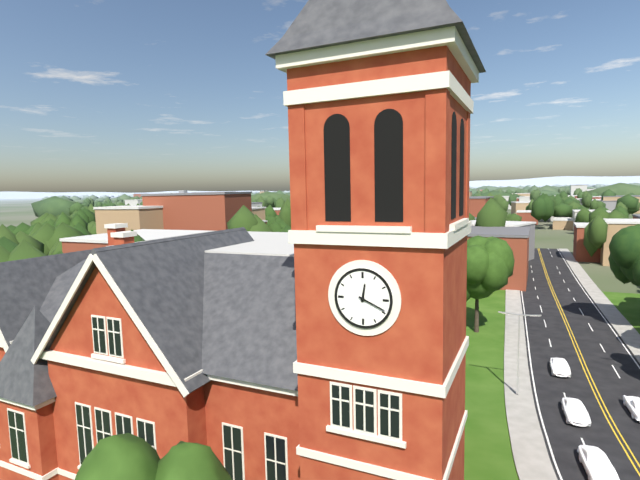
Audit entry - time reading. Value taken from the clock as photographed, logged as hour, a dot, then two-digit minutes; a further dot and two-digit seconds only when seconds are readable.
12.19
